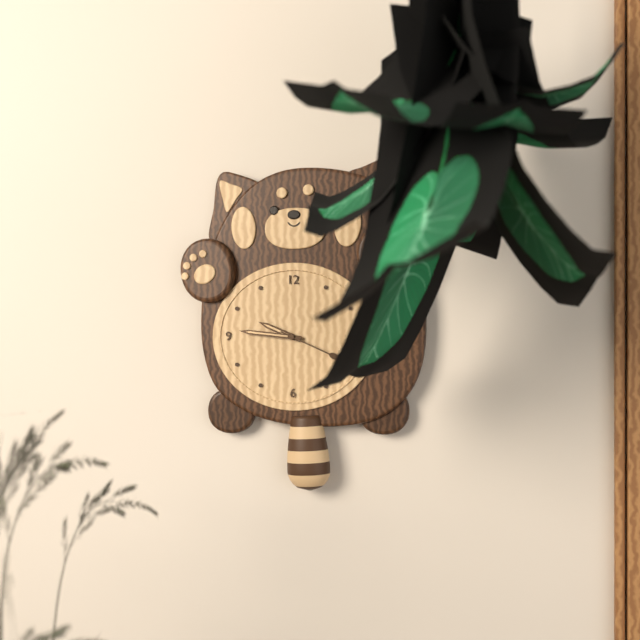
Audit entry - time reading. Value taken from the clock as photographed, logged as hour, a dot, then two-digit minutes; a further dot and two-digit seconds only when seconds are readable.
9.46.19
